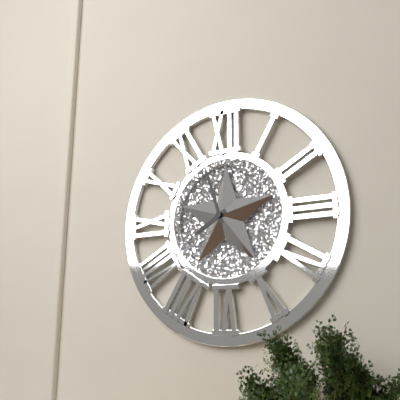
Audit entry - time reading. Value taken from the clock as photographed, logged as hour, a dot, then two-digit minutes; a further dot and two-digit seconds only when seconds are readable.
7.57
